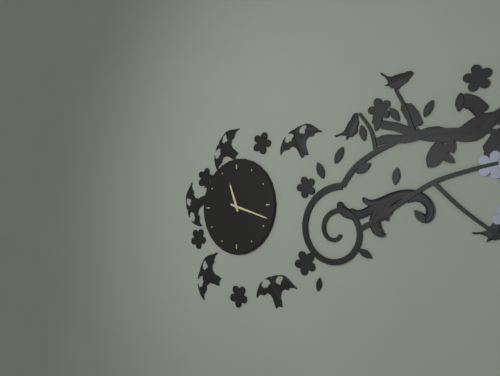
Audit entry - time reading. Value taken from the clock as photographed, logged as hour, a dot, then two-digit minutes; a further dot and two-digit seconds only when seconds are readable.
11.18
